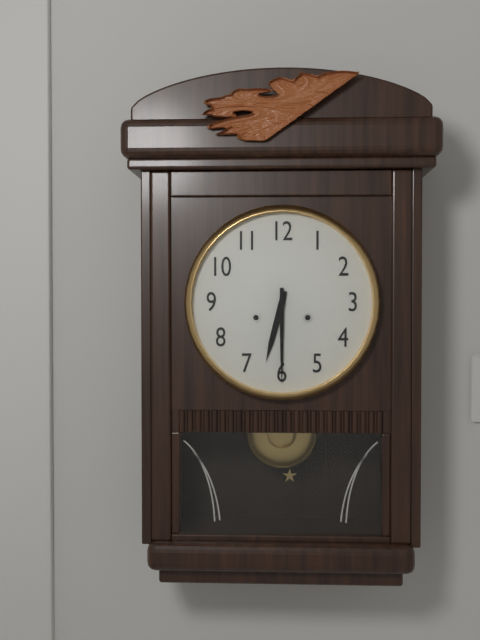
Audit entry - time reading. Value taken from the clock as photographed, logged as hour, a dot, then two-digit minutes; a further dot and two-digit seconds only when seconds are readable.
6.30
